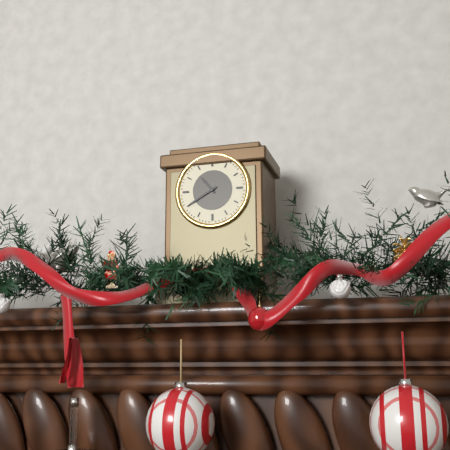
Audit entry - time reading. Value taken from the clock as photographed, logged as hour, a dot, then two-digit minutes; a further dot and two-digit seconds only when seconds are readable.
10.40
